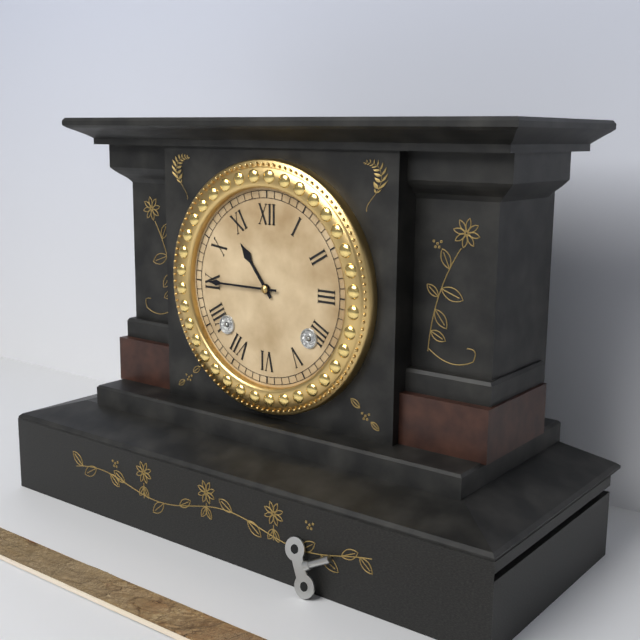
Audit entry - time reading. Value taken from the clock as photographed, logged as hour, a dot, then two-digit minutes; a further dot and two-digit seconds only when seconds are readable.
10.45
